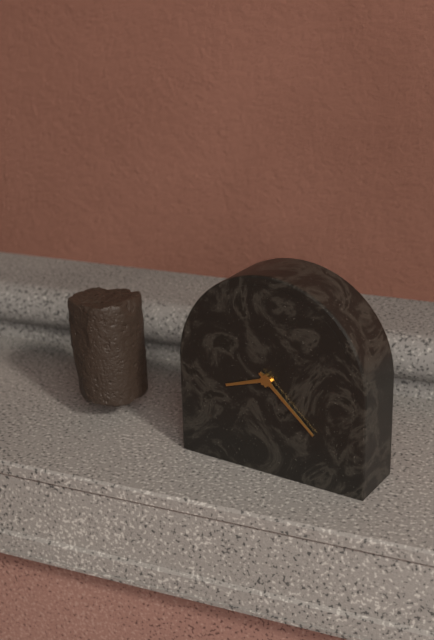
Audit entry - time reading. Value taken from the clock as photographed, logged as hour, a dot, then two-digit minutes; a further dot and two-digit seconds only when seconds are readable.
8.22
